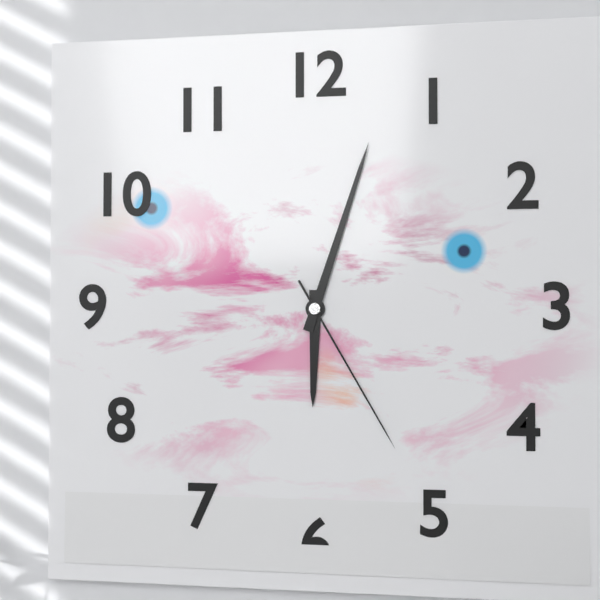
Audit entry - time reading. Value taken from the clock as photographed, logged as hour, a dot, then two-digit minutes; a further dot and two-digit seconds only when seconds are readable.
6.03.25
